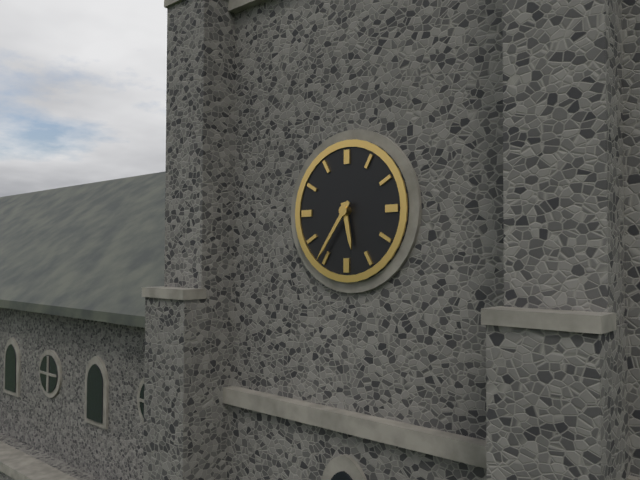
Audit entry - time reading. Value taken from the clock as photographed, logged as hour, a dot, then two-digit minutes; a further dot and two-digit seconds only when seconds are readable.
5.36
